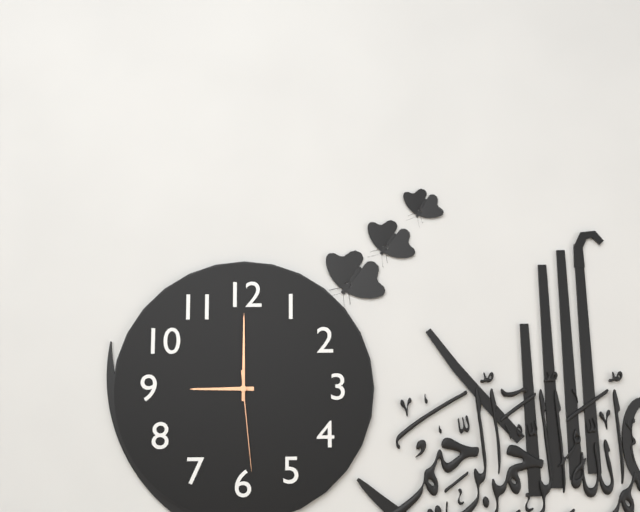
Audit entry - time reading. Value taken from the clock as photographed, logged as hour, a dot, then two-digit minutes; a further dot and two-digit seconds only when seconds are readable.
9.00.29
